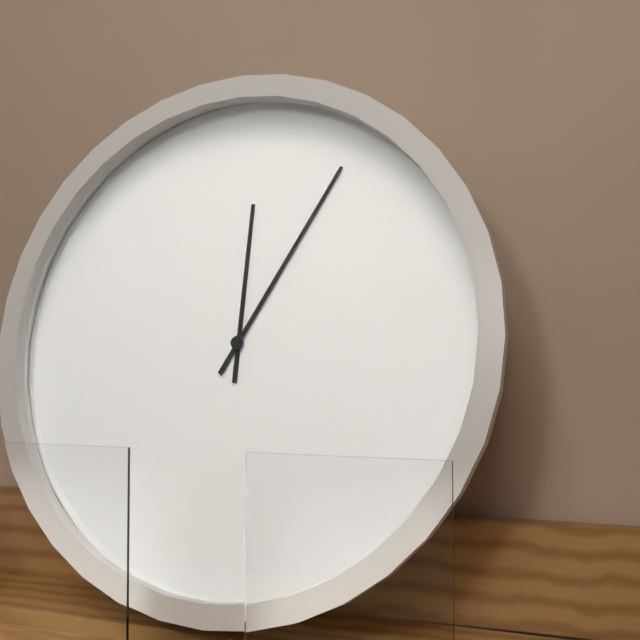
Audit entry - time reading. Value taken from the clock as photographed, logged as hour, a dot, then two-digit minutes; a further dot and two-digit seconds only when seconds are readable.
12.05
